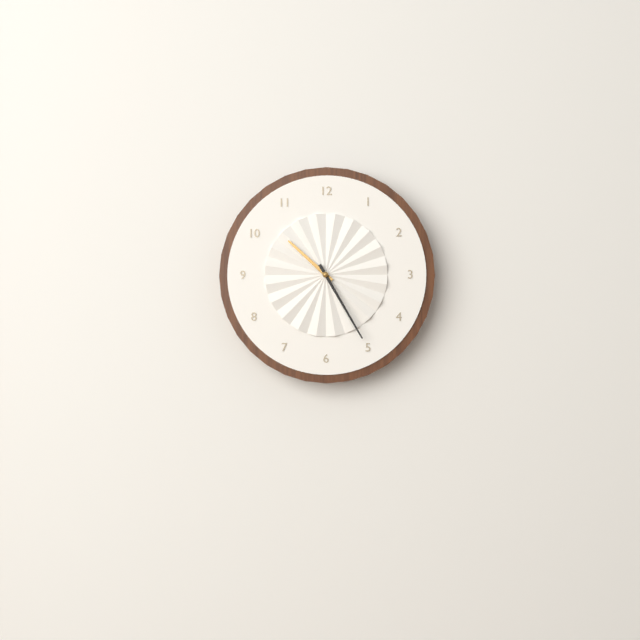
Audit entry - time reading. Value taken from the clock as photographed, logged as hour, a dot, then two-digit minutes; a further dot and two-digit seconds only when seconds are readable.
10.25
